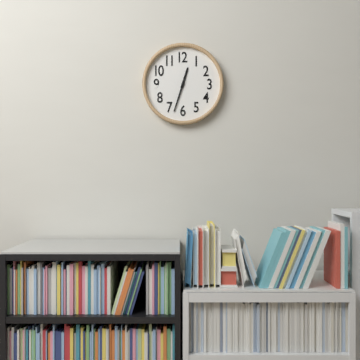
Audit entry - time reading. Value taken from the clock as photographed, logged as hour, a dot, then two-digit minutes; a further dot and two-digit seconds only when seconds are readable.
12.33
